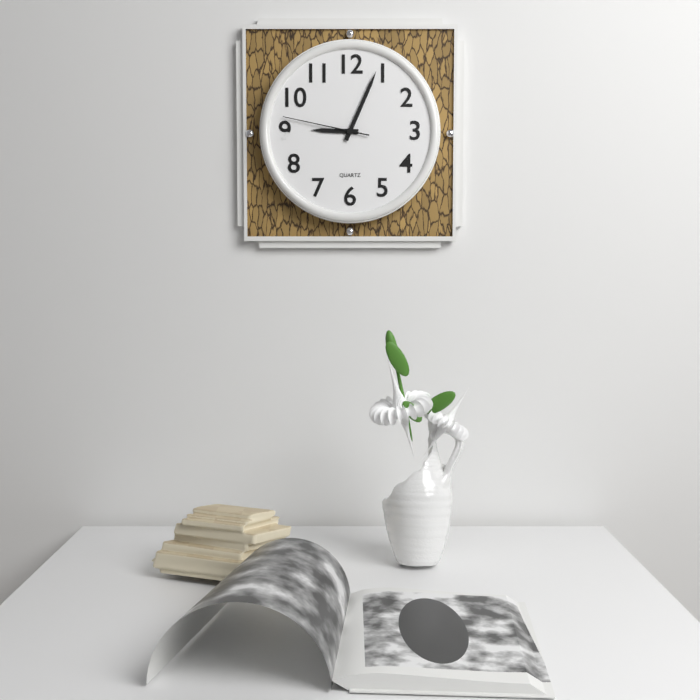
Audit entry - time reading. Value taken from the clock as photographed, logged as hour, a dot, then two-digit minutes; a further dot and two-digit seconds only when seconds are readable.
9.04.47
